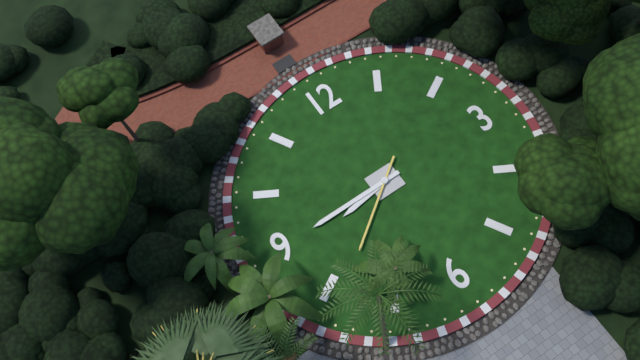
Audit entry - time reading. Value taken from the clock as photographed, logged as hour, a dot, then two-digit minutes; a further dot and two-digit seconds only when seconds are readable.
8.45.39
